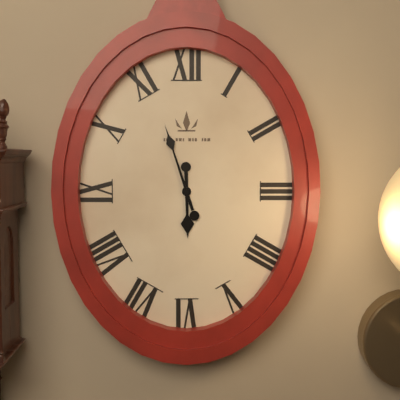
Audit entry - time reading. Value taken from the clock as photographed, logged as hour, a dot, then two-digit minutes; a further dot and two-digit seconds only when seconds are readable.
5.57
